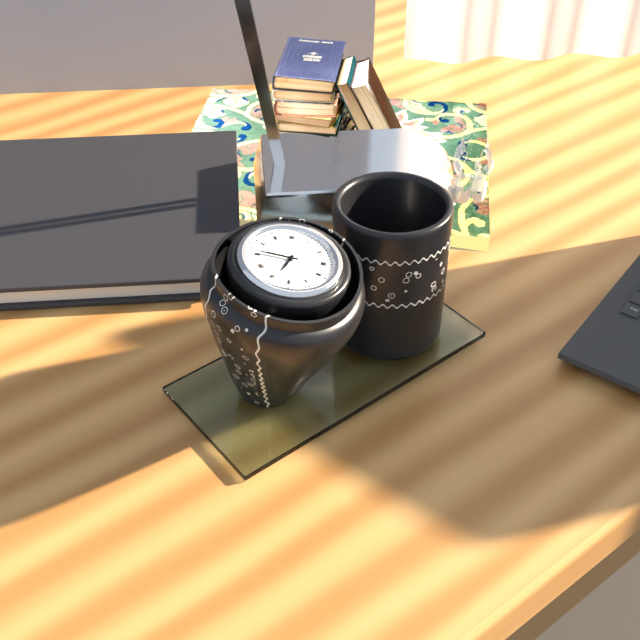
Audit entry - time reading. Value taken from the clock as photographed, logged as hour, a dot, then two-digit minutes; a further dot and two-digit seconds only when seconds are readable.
6.46
